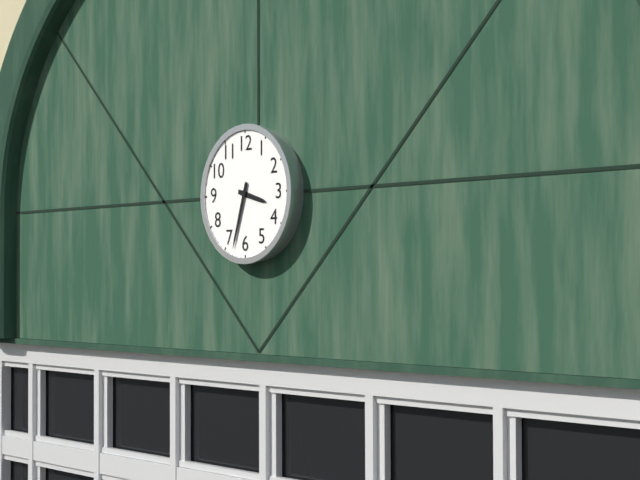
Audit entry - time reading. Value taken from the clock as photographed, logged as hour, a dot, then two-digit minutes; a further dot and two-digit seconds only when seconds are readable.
3.33
